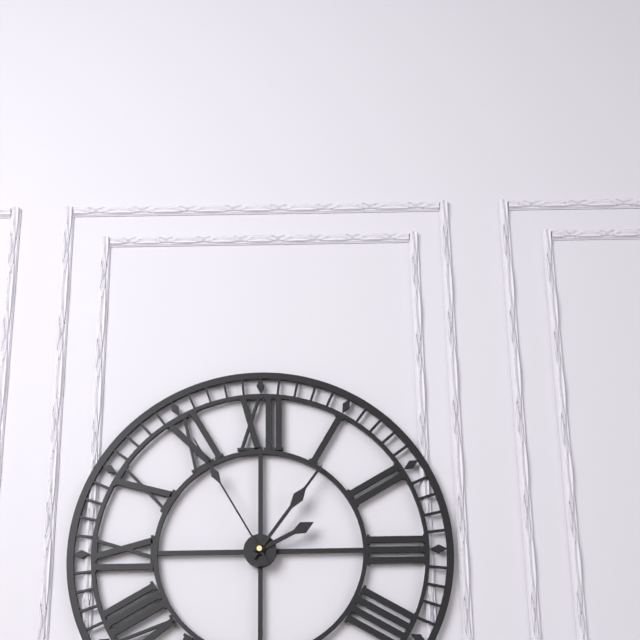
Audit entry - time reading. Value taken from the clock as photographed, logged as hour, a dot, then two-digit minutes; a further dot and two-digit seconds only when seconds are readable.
2.06.55
